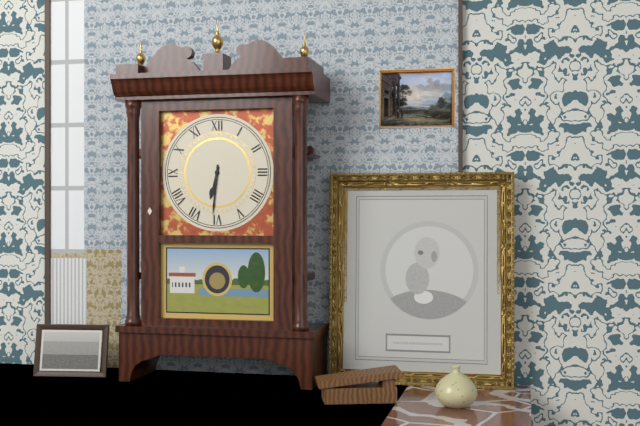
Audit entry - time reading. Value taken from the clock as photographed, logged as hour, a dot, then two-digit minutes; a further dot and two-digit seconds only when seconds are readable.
6.31
